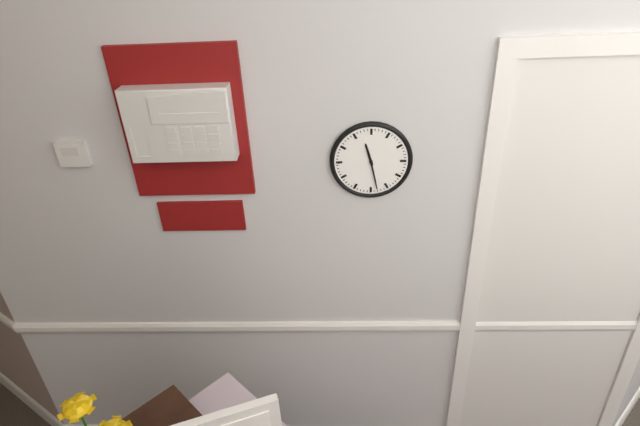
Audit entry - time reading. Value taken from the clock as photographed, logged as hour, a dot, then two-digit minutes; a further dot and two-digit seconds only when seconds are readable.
11.28
